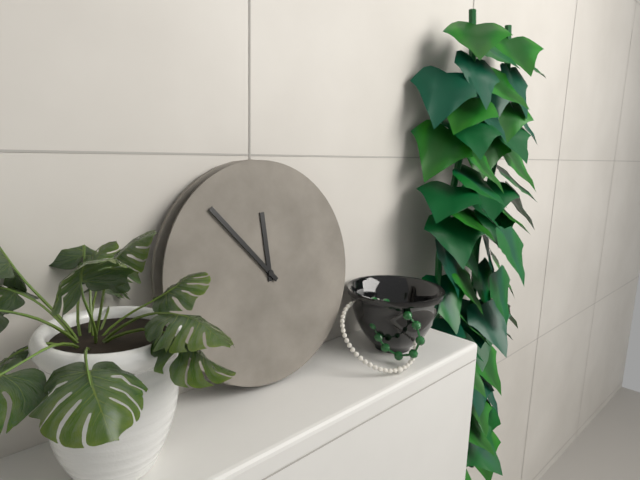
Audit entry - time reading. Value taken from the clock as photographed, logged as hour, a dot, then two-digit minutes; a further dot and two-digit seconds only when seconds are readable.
11.53
